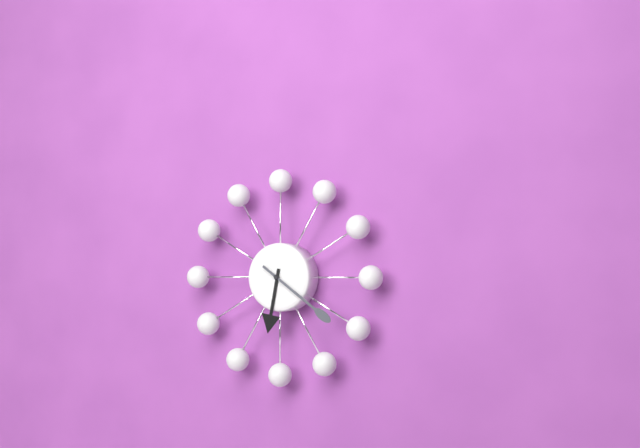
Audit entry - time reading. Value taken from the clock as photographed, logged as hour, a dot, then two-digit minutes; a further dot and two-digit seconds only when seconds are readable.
6.21
